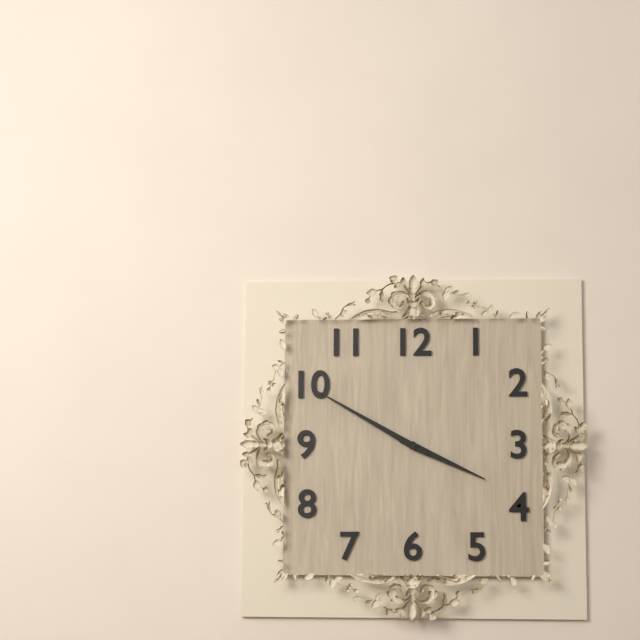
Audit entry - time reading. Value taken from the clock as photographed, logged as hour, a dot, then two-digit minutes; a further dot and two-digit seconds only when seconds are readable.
3.50
